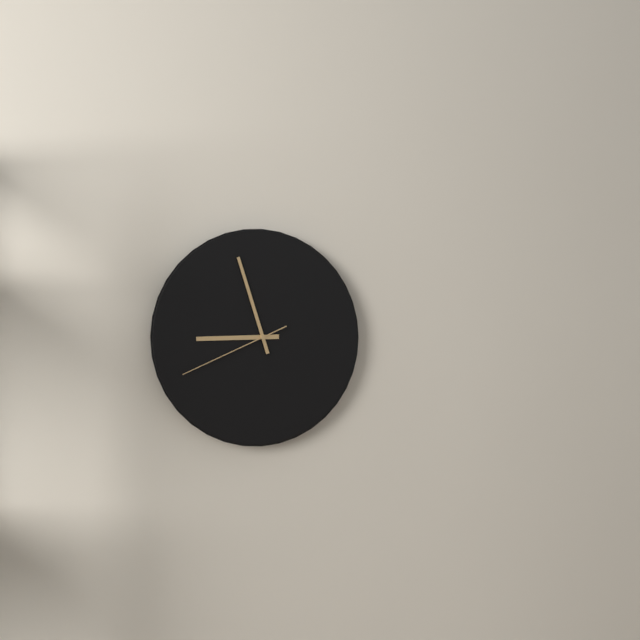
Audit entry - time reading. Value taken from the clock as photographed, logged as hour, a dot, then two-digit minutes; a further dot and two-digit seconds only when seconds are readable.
8.57.41
